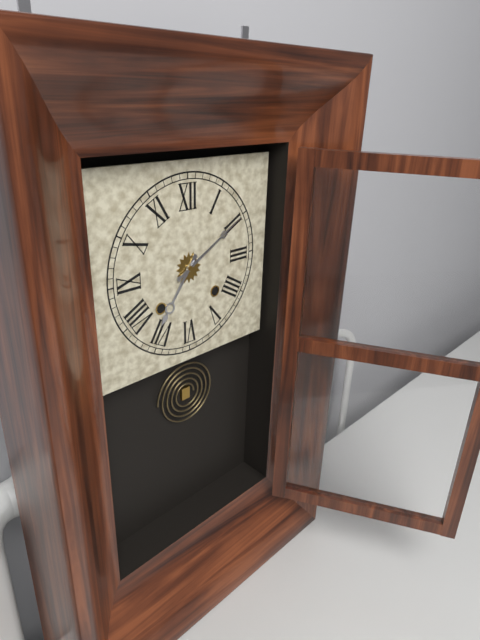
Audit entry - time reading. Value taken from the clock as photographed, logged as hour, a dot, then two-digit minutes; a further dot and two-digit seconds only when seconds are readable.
7.10
